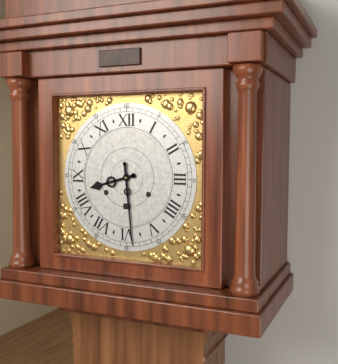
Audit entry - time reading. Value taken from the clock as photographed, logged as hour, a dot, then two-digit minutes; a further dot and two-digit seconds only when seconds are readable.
8.29
